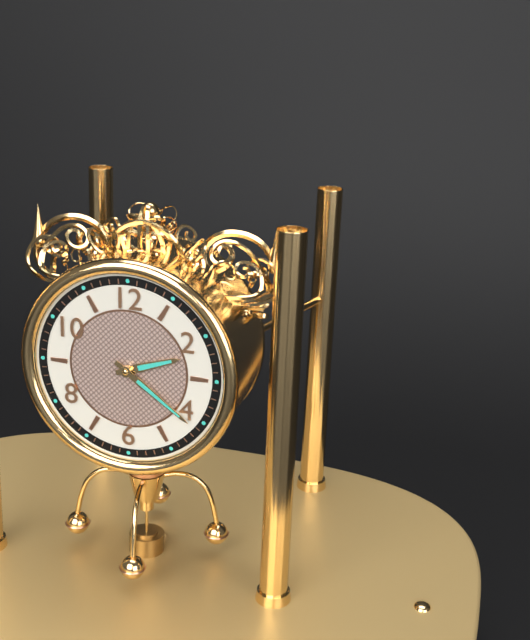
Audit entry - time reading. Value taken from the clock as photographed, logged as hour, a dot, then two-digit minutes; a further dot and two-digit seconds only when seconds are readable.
2.21
